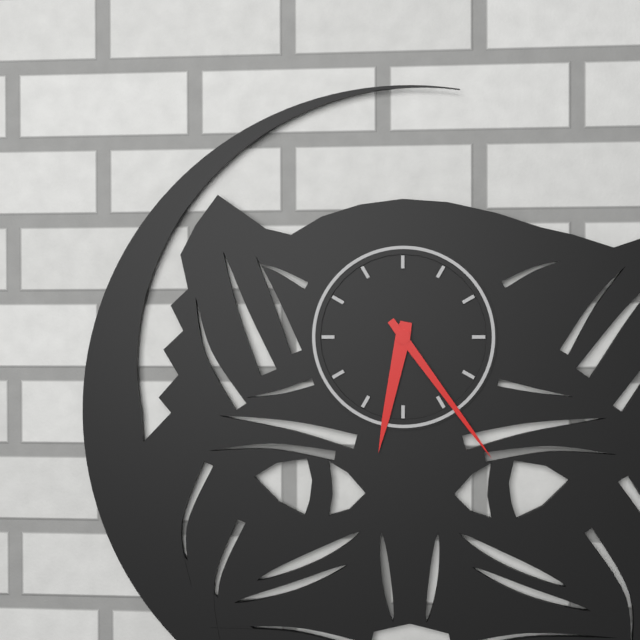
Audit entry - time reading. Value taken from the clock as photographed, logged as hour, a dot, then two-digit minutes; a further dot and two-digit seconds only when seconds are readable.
6.24
